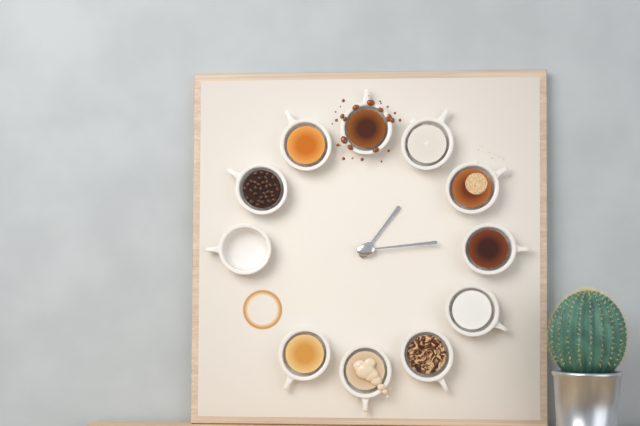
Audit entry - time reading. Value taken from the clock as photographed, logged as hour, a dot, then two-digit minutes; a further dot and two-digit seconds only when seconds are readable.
1.14
